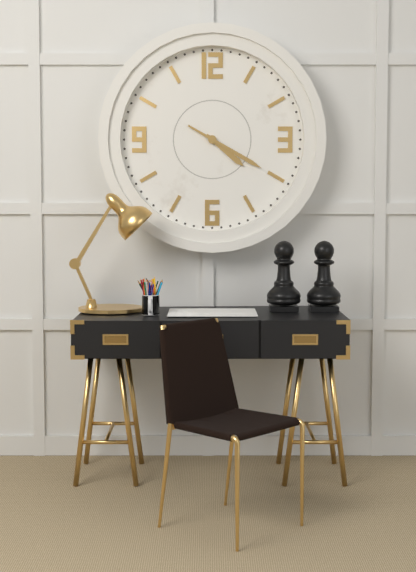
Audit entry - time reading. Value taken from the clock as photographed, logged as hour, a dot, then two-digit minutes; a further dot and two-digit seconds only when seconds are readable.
4.20
